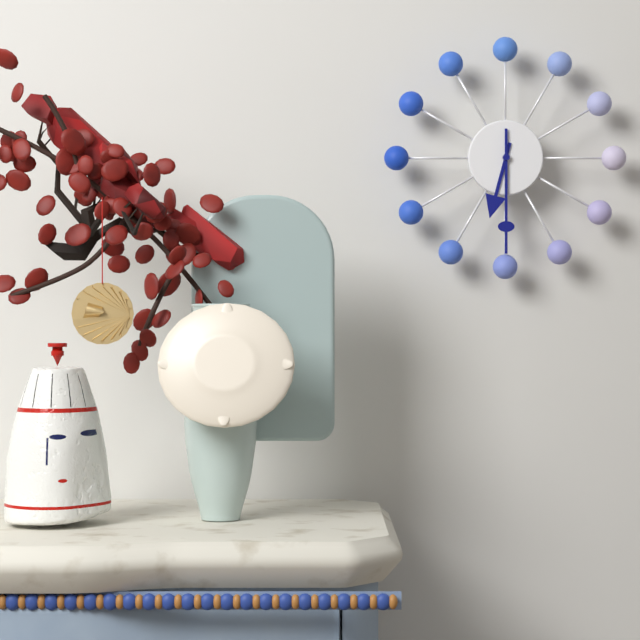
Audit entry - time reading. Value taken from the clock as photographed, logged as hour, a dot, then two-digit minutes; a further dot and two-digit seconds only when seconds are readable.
6.30
